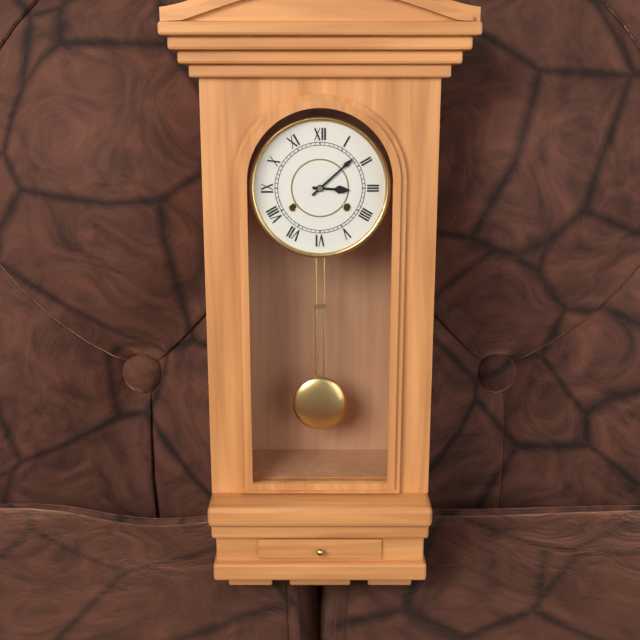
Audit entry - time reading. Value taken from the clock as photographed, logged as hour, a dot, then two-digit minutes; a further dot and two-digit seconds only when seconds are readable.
3.08
